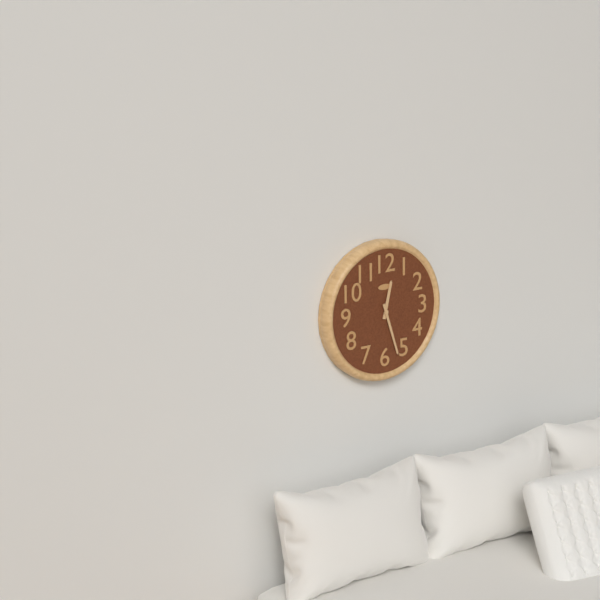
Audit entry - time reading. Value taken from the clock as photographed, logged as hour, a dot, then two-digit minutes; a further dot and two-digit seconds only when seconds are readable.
12.27
